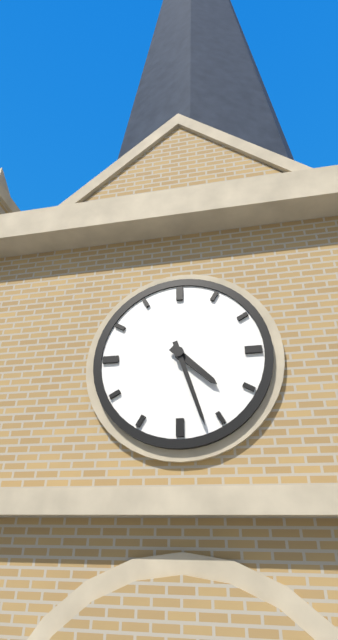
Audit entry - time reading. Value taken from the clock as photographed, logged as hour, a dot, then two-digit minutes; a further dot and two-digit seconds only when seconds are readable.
4.27
